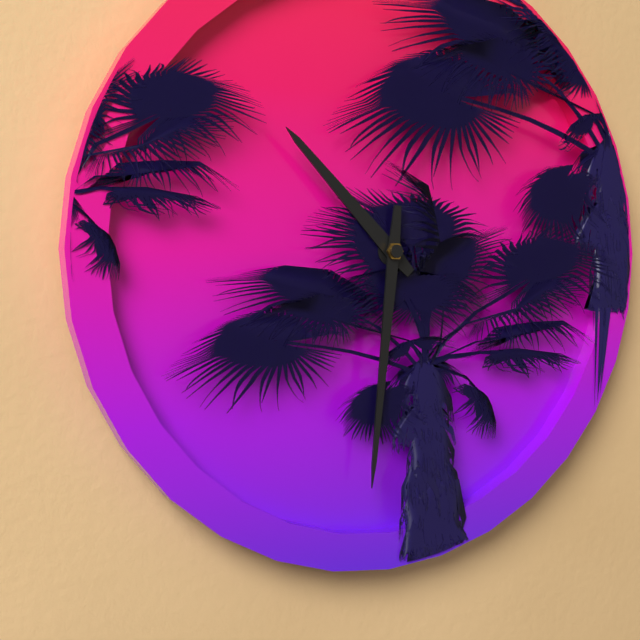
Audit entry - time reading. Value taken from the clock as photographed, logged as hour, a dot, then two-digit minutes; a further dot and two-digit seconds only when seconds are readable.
10.31
